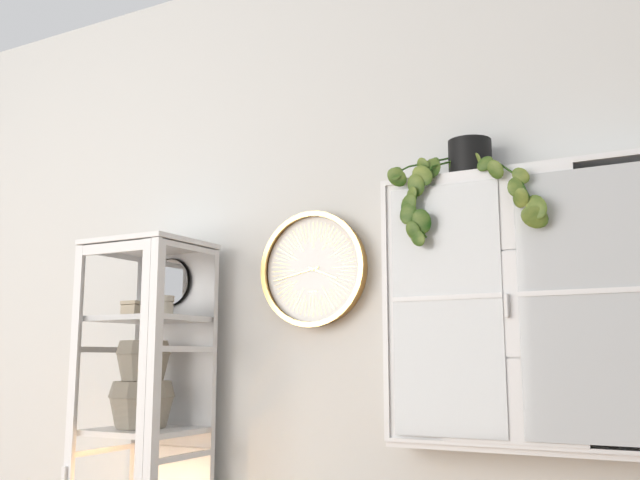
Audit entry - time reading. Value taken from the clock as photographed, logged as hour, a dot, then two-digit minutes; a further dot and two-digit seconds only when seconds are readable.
3.43
